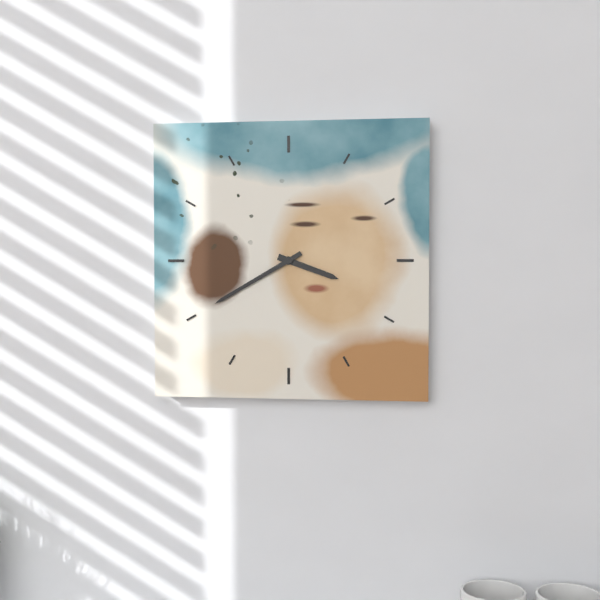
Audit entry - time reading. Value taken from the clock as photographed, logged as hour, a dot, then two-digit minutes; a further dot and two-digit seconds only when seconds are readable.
3.40
